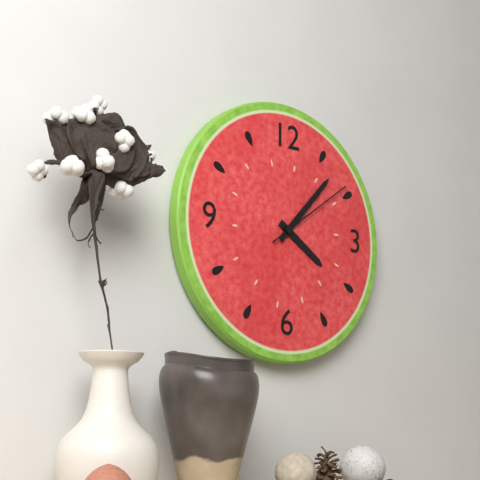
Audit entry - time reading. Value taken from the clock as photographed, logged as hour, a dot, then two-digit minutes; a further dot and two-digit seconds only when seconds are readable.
4.07.09
